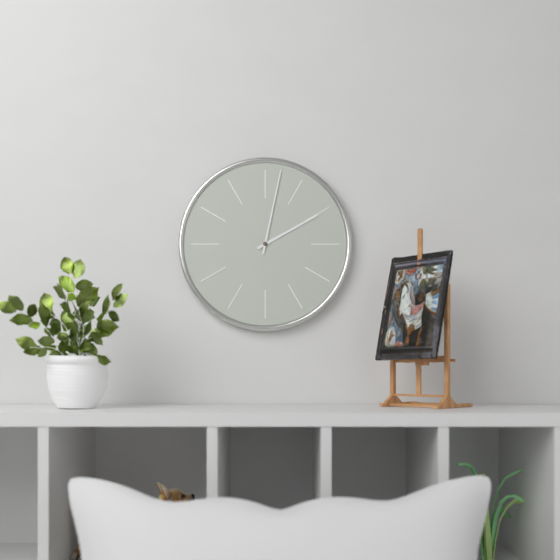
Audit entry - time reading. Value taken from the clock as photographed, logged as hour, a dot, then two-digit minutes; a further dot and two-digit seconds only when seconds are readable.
2.02
